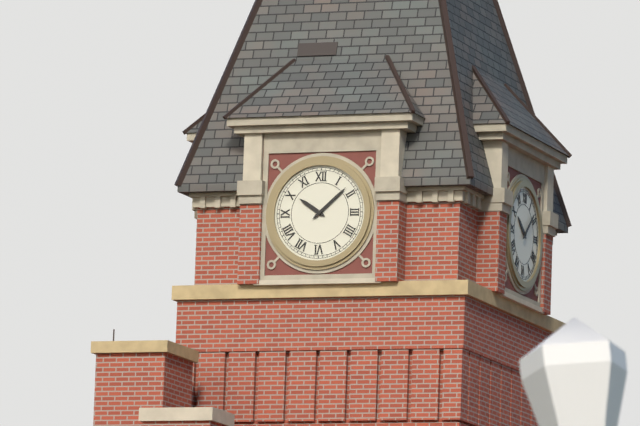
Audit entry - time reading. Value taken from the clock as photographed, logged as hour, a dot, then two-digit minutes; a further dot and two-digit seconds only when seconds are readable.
10.08
